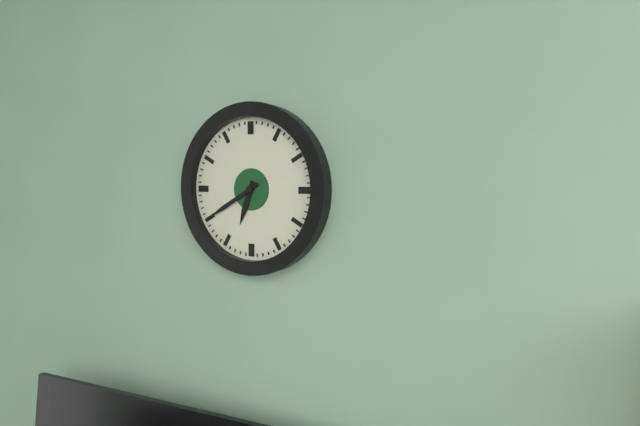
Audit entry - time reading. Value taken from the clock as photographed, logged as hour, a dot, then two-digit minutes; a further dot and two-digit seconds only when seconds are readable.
6.40
